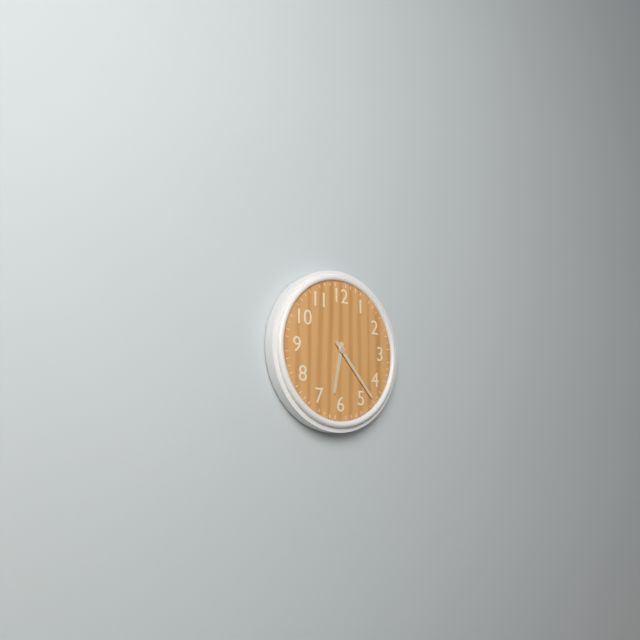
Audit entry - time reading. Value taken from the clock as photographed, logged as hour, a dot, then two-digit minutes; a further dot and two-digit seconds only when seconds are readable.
6.23
